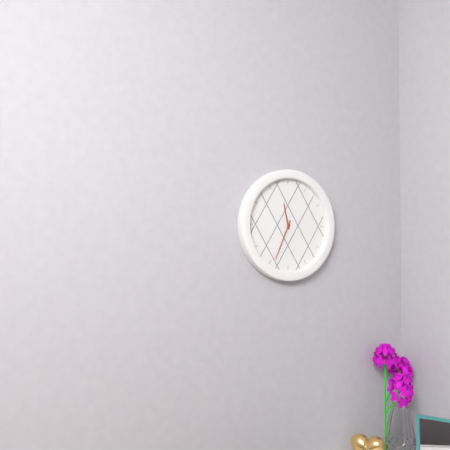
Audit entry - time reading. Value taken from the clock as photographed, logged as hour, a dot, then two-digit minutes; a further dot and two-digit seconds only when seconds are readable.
11.34
